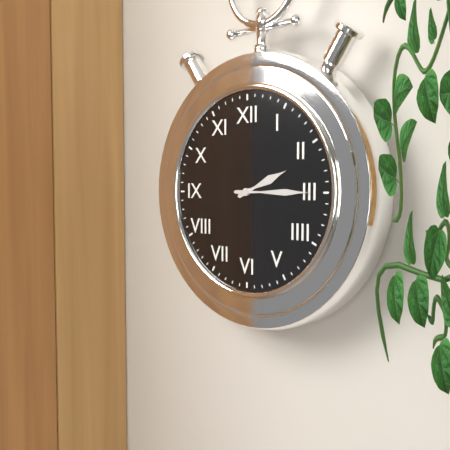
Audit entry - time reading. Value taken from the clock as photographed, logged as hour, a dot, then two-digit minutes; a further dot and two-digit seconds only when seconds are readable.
2.15
